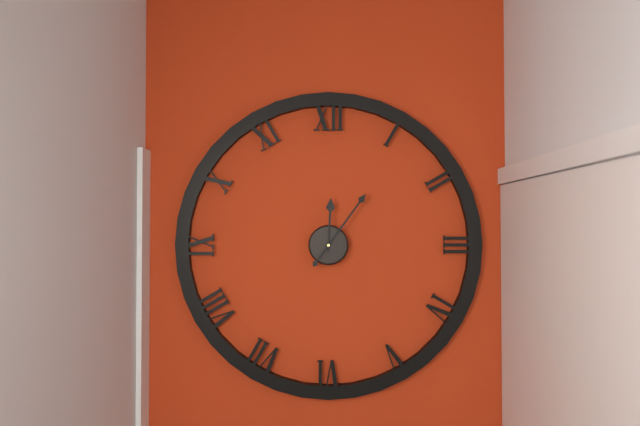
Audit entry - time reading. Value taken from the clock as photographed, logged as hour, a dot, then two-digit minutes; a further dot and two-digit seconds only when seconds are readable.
12.06
